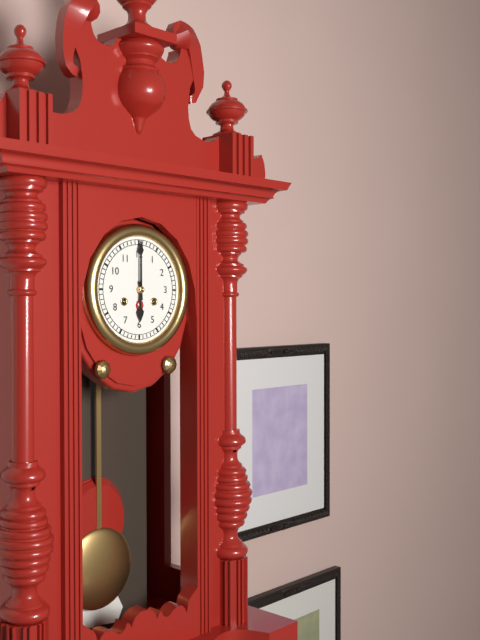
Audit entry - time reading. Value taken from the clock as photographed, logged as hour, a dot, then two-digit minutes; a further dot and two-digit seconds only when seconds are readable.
6.00
